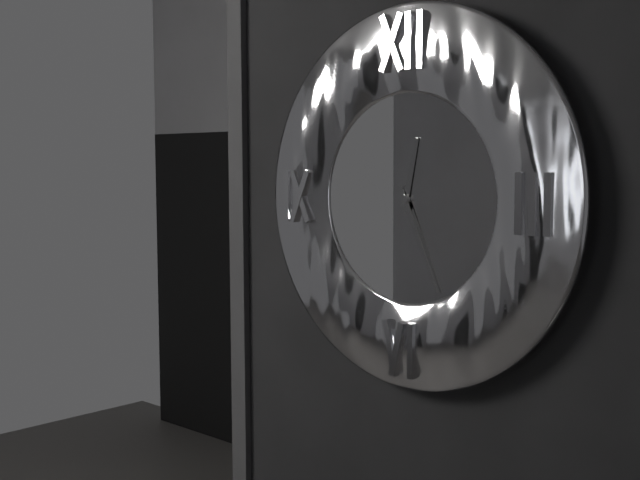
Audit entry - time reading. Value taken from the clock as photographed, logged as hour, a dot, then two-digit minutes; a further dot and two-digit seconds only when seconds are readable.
12.26
